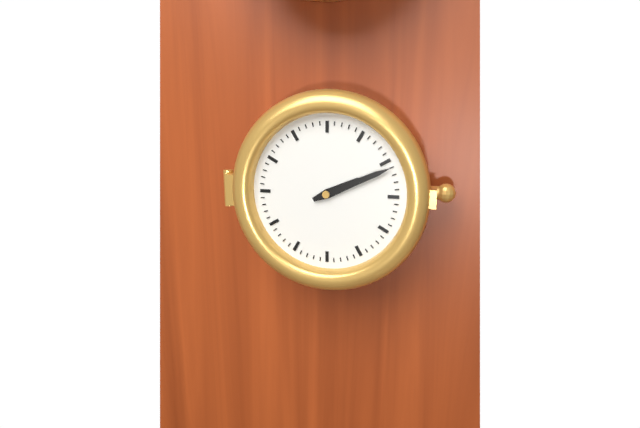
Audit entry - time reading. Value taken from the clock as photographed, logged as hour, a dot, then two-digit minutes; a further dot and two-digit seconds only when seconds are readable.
2.11
